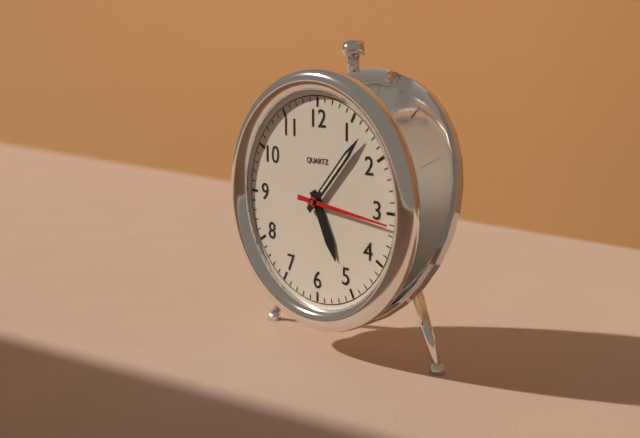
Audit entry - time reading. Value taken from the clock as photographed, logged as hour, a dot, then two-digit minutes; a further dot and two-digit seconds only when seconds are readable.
5.07.16
